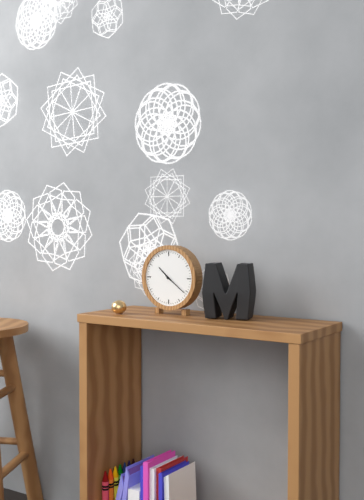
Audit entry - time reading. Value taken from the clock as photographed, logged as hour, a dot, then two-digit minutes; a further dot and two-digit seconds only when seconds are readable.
10.21
